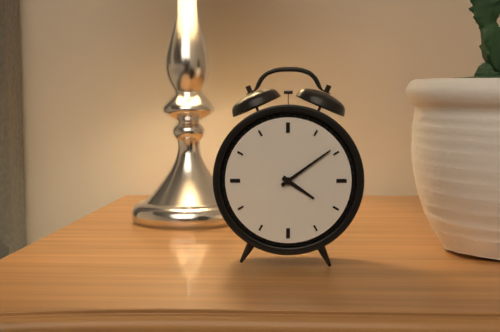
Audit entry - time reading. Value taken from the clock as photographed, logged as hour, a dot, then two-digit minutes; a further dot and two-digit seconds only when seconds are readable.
4.09
